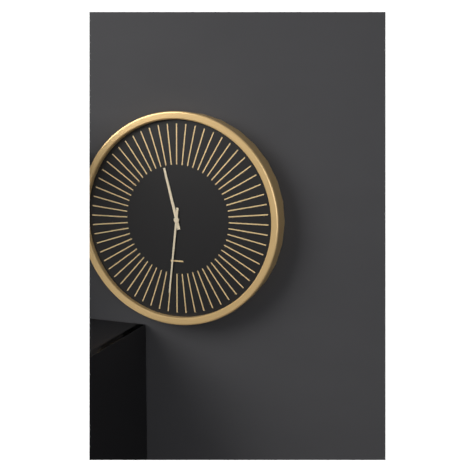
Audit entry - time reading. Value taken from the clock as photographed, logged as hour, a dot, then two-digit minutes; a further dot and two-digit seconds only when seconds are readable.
11.31
